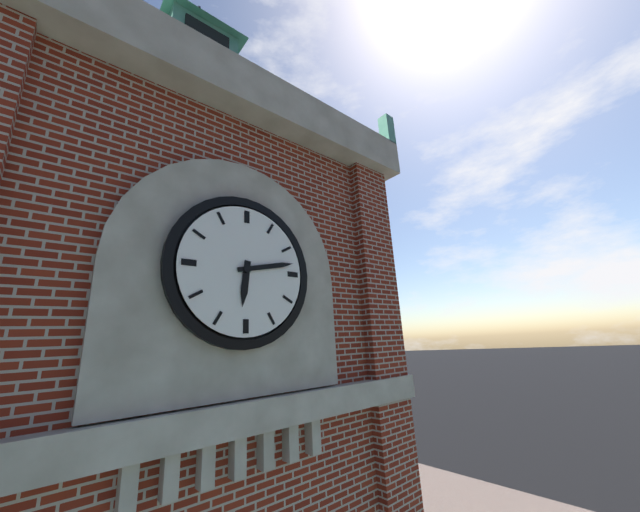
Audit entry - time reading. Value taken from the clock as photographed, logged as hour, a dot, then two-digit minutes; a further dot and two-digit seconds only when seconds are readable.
6.13
